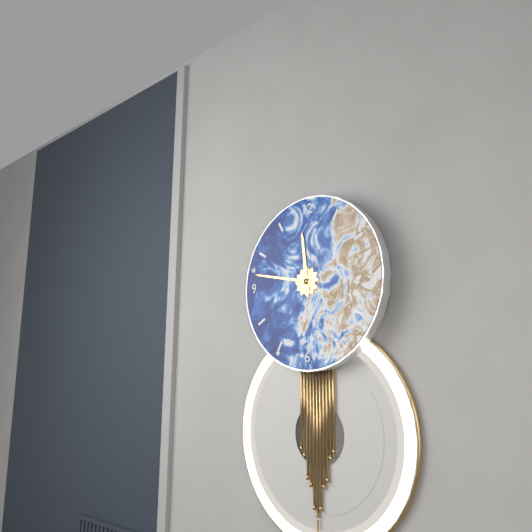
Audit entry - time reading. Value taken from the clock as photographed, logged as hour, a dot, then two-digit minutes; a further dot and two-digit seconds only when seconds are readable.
11.47
